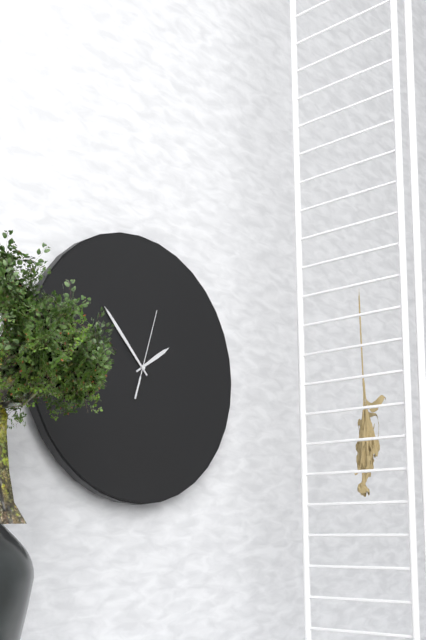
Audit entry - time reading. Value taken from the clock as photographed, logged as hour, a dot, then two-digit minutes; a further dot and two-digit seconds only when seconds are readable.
1.53.03
